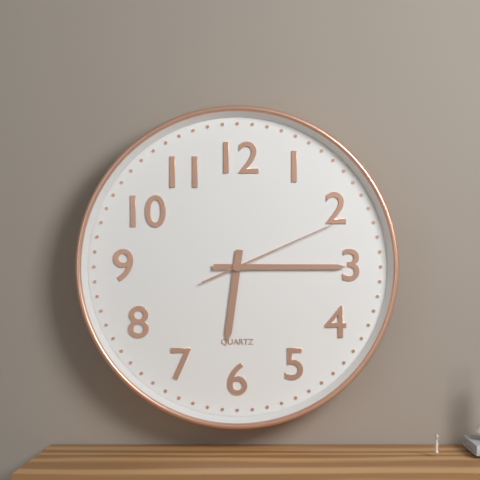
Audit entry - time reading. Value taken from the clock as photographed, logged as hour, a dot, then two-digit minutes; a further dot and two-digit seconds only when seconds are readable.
6.15.11
